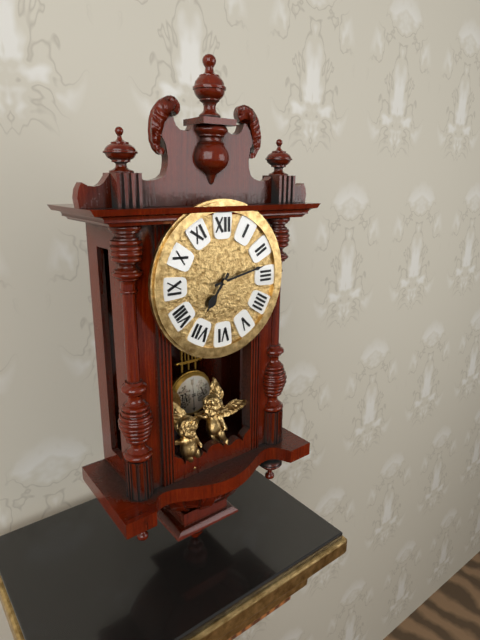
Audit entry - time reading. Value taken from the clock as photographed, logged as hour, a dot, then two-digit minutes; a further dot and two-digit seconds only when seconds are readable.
7.13
